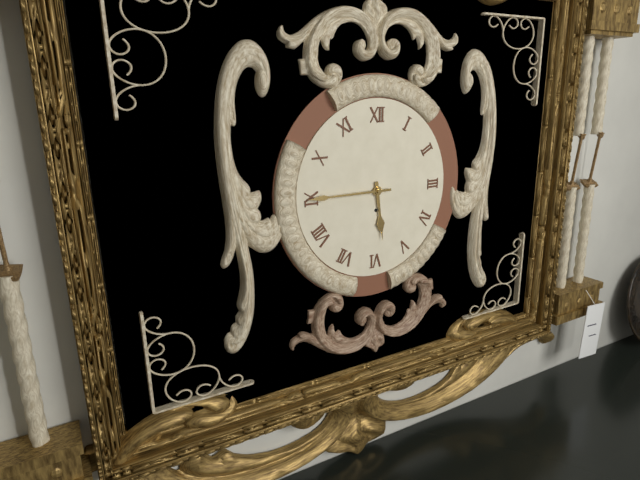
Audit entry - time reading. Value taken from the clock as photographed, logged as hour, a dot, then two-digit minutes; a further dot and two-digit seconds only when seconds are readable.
5.45
